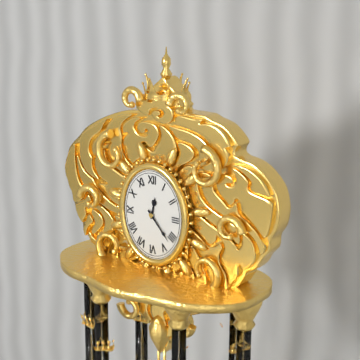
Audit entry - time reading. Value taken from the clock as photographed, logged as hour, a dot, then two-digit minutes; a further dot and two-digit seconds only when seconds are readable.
12.23
